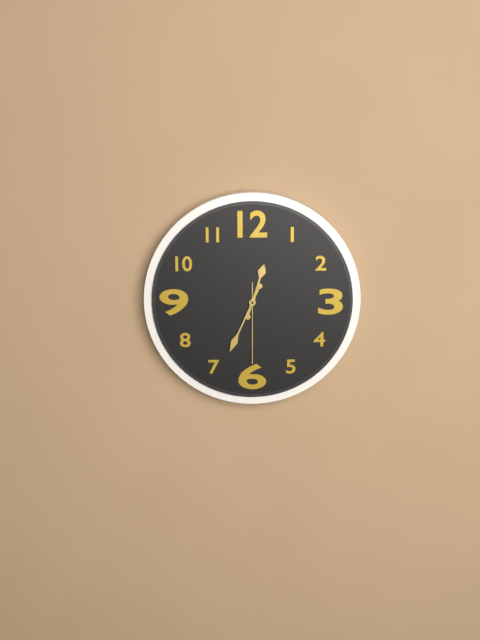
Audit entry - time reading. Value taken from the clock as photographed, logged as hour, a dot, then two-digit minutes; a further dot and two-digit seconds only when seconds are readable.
12.34.30
